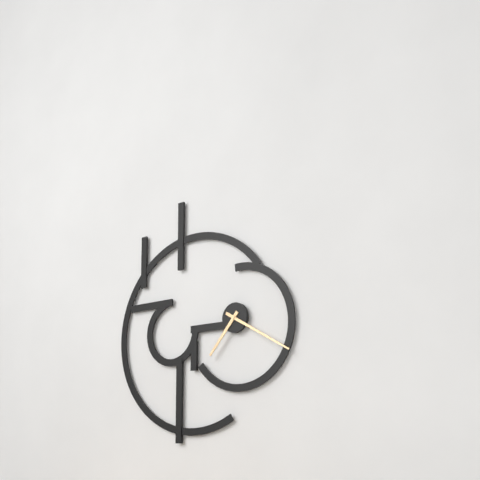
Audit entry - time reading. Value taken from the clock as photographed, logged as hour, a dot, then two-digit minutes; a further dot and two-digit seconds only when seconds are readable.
7.20
